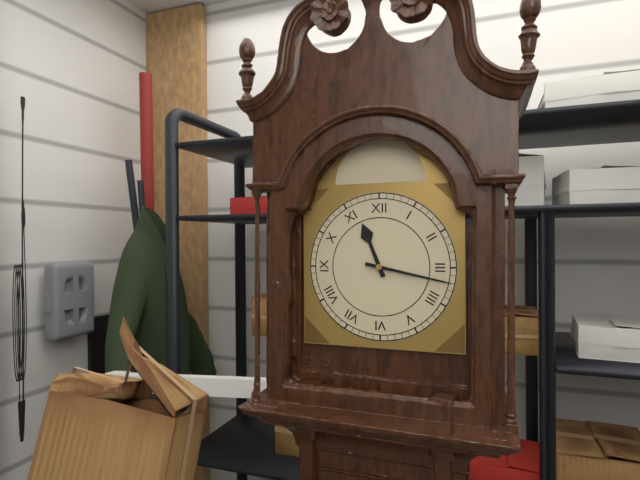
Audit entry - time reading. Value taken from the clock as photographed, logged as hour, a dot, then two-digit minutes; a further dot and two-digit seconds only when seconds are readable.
11.17
